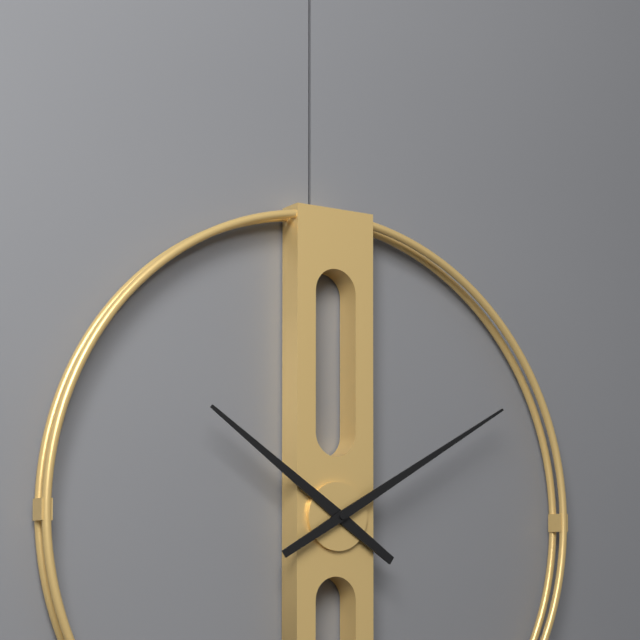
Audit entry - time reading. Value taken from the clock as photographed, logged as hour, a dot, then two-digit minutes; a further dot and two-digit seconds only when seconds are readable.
10.10
